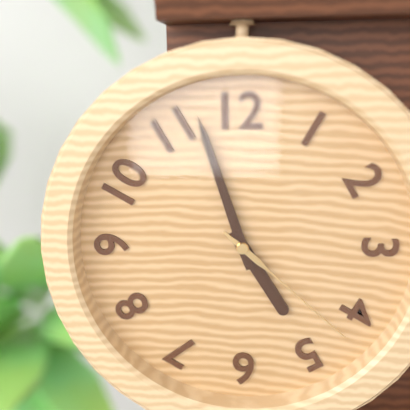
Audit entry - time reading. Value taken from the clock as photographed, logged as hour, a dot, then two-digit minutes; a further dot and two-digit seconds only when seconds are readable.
4.57.22
